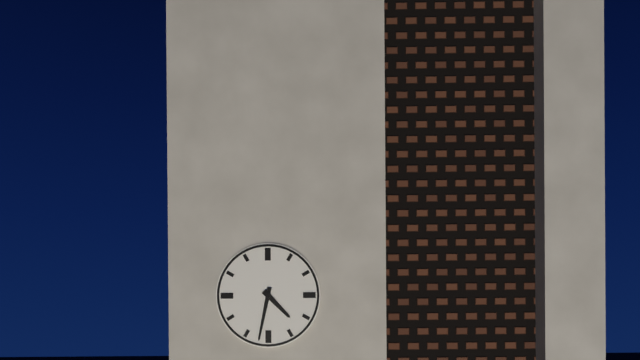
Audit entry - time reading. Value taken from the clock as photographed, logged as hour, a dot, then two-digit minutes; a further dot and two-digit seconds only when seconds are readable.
4.32
